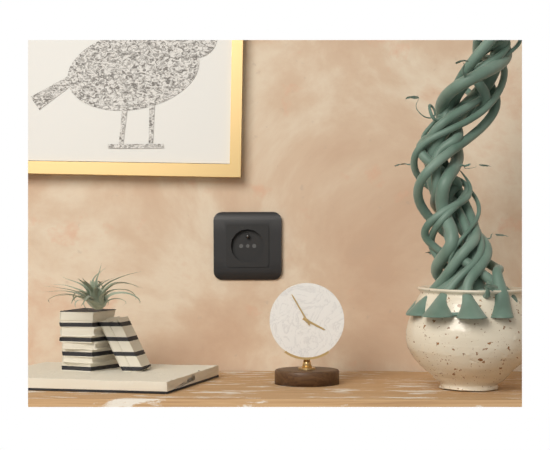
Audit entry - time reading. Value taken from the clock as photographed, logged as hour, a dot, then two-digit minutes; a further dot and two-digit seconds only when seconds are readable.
3.55
